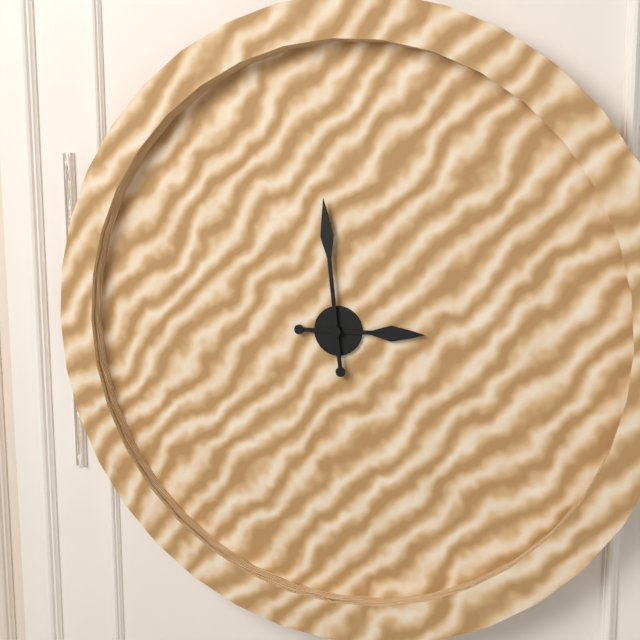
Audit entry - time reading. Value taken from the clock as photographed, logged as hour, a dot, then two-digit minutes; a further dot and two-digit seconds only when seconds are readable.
2.59
